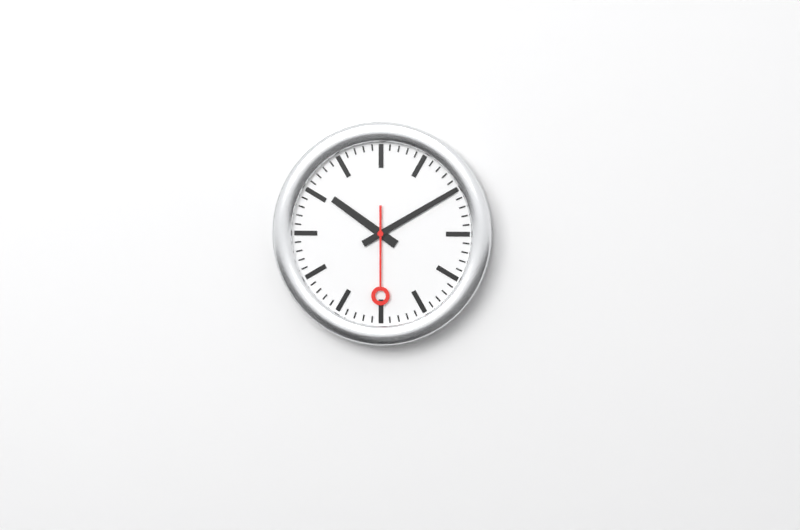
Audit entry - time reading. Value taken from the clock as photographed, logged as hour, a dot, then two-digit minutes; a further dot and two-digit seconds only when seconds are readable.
10.10.30
